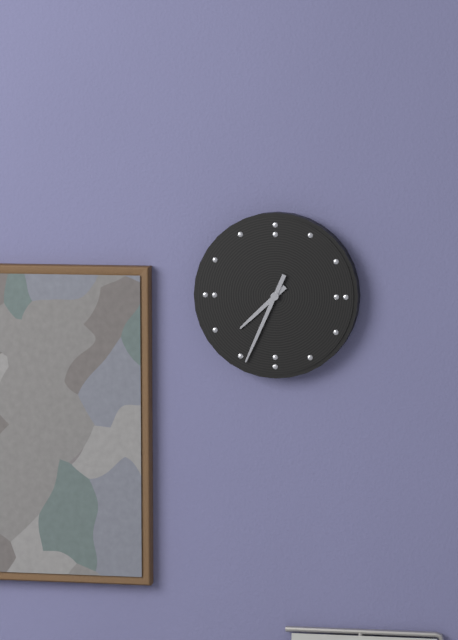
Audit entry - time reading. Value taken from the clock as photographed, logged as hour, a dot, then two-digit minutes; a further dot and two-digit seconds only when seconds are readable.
7.34
